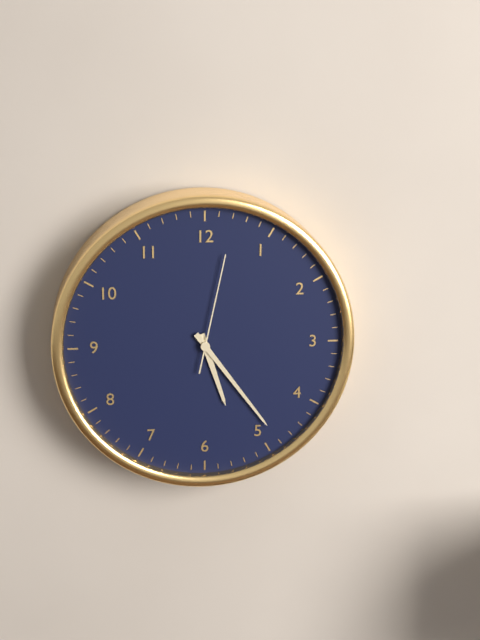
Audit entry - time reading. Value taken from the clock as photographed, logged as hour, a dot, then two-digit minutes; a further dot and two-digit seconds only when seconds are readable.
5.24.02
